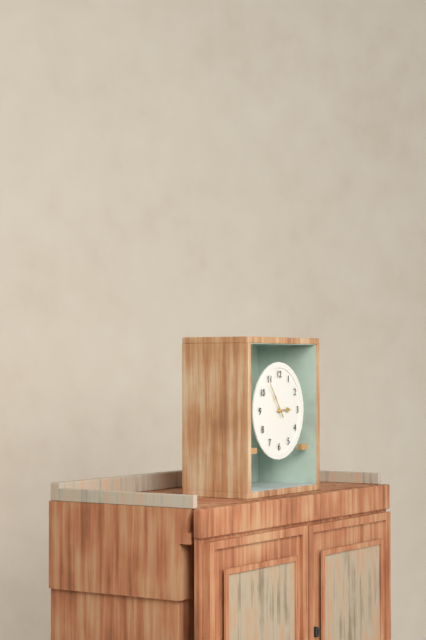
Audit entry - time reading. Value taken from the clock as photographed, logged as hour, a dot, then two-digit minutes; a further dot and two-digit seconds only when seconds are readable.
2.54
